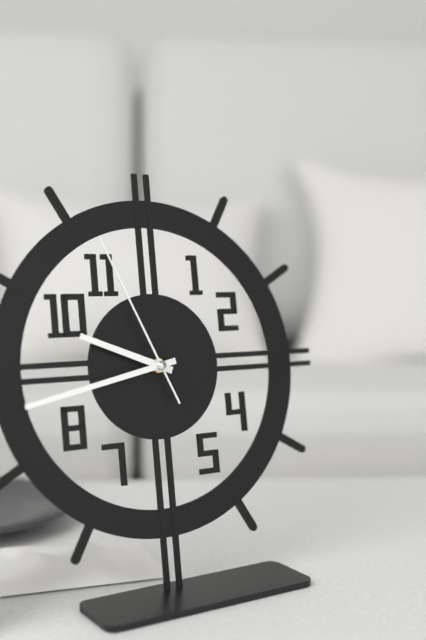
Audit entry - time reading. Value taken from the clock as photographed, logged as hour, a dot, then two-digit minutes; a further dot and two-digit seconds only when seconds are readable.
9.43.56
